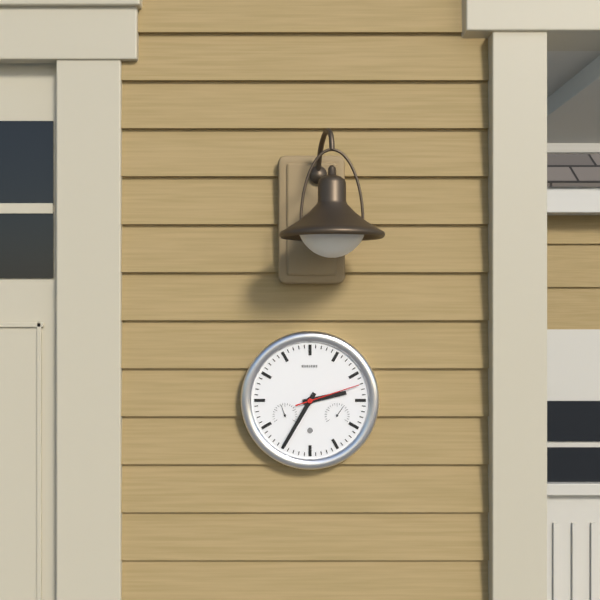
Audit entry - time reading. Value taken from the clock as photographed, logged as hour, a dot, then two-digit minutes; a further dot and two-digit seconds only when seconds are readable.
2.35.12
